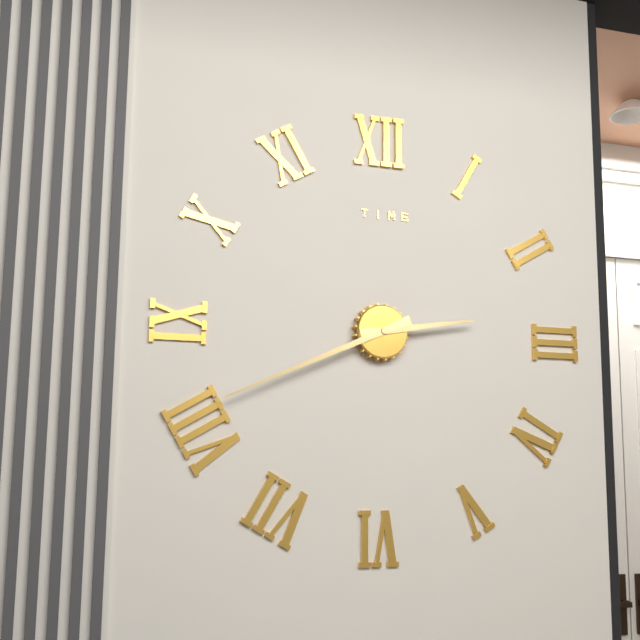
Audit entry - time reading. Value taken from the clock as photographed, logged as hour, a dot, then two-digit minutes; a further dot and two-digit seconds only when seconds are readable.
2.41
